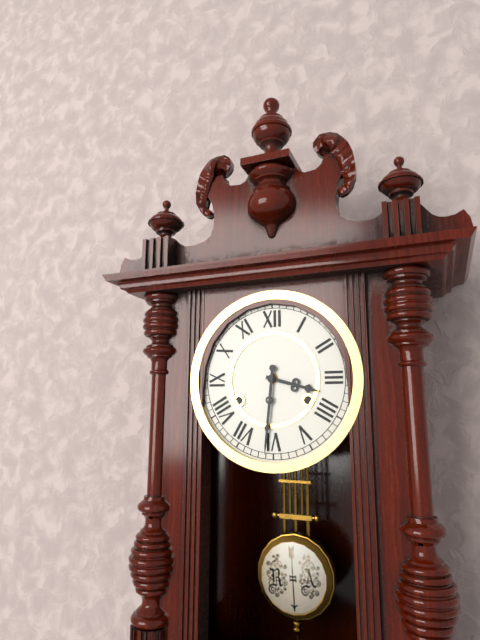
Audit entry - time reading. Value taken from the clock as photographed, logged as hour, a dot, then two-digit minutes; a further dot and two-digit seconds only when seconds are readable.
3.31
